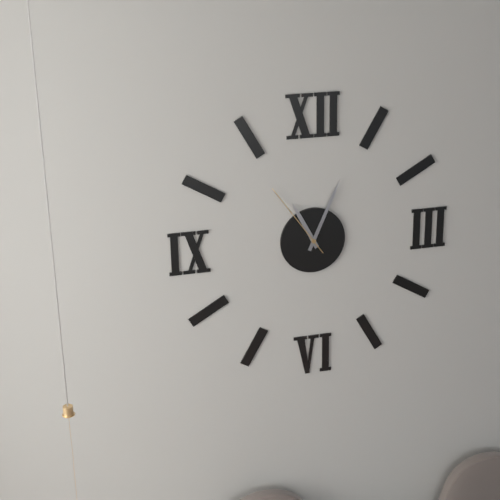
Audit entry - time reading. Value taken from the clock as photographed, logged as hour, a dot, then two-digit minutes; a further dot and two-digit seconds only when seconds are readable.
11.04.54
